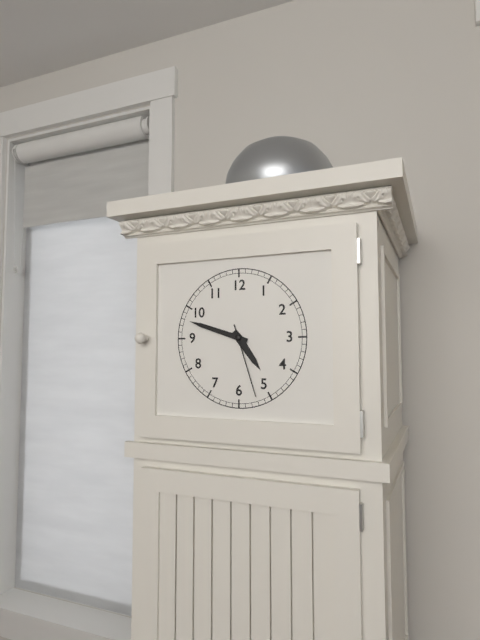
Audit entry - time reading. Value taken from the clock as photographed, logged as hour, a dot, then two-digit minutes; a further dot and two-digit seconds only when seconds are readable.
4.48.27
